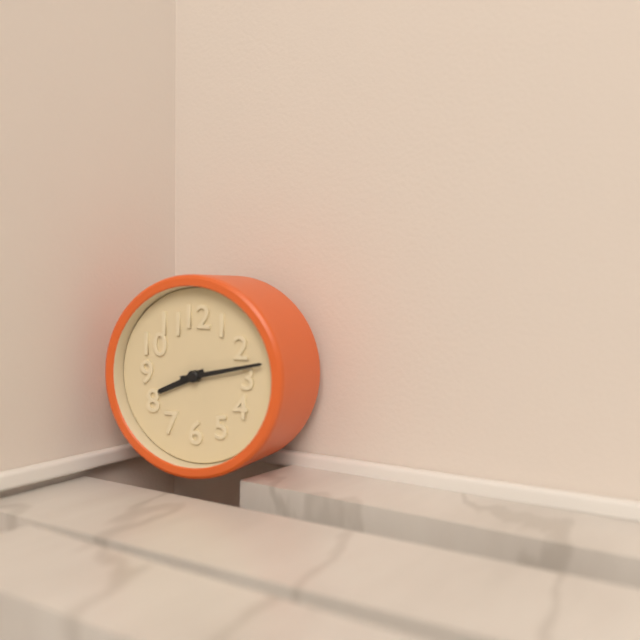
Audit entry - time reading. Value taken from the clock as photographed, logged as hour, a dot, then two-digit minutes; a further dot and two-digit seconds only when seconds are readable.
8.13
